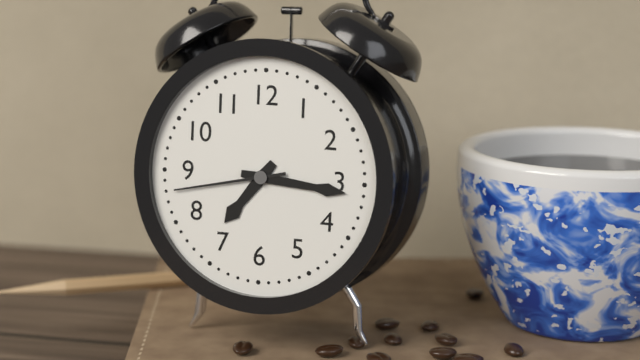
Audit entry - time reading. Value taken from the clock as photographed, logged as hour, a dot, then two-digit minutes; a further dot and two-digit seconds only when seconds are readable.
7.16.43
